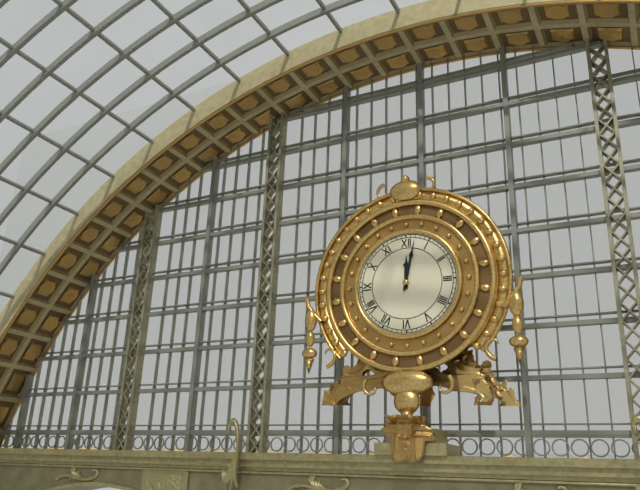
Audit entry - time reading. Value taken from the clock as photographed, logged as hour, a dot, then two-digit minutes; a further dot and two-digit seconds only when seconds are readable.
12.02
